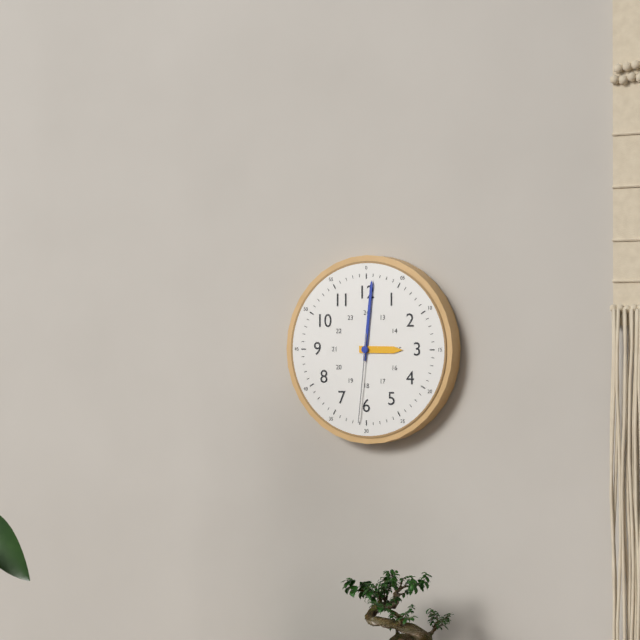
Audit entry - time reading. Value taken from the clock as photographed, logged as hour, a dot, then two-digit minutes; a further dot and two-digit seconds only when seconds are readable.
3.01.31
